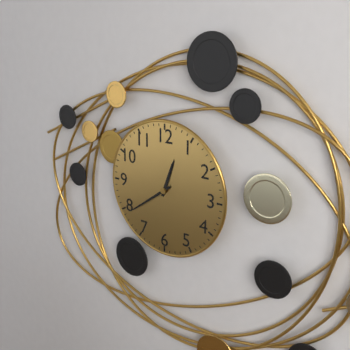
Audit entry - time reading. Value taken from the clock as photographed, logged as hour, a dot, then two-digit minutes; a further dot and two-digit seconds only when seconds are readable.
12.39
